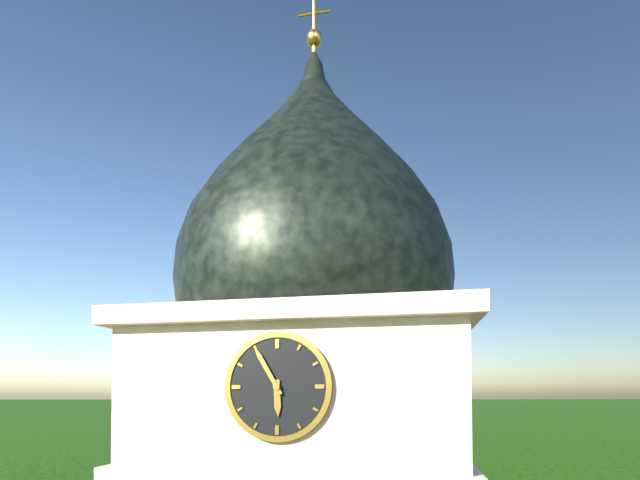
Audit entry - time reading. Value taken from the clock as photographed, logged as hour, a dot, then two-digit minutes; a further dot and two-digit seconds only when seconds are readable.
5.55
